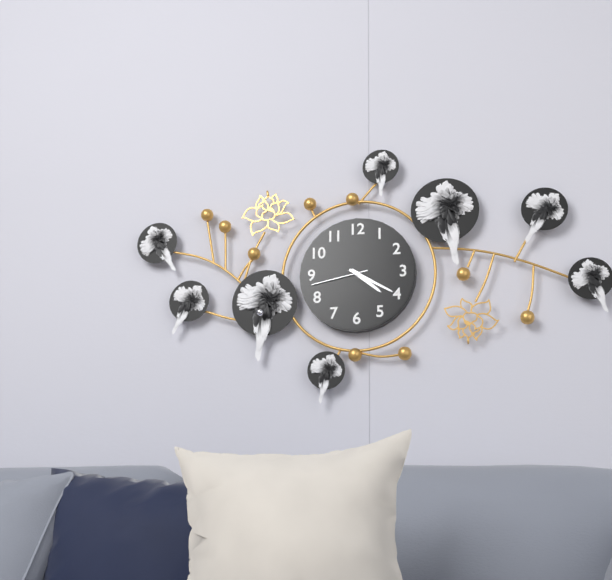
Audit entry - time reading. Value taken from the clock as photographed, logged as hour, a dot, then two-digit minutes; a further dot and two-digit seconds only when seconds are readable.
4.20.43
